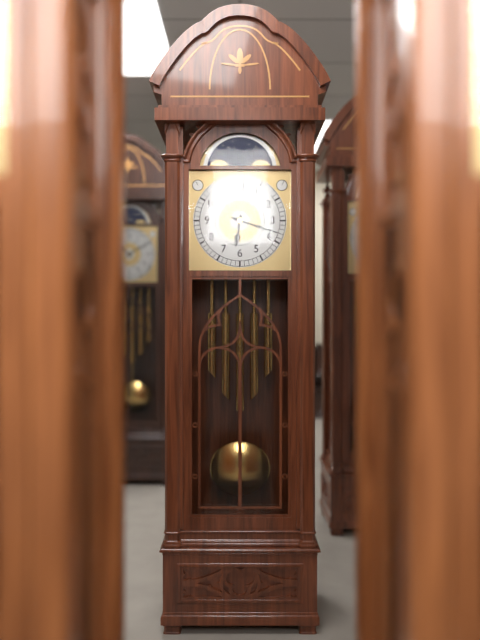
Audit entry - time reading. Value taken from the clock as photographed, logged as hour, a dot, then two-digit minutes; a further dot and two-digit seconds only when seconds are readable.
6.18
